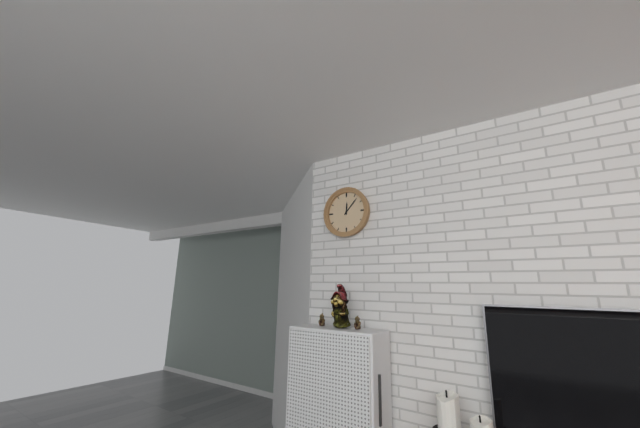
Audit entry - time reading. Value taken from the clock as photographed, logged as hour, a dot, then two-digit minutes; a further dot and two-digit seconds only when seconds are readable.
12.07
